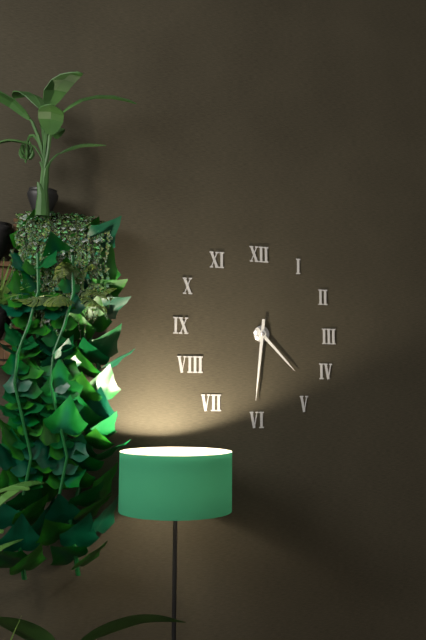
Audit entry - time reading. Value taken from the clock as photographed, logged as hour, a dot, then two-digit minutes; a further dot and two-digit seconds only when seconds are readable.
4.31
